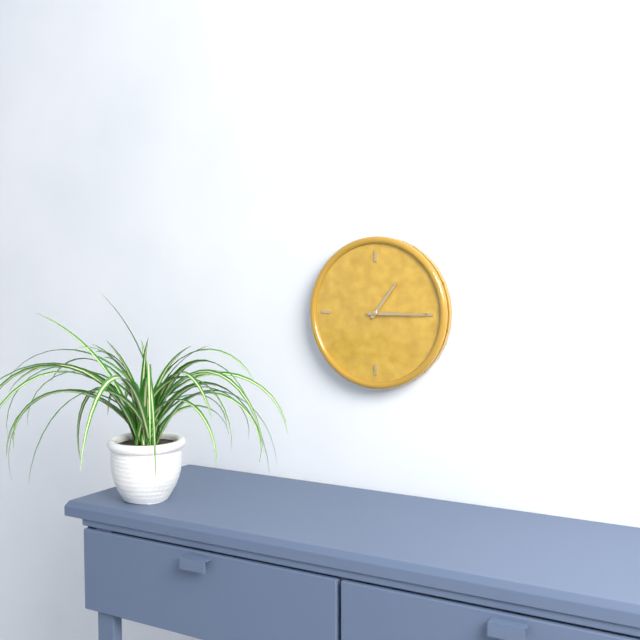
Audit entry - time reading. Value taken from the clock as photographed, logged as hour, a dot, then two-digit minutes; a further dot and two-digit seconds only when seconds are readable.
1.15
